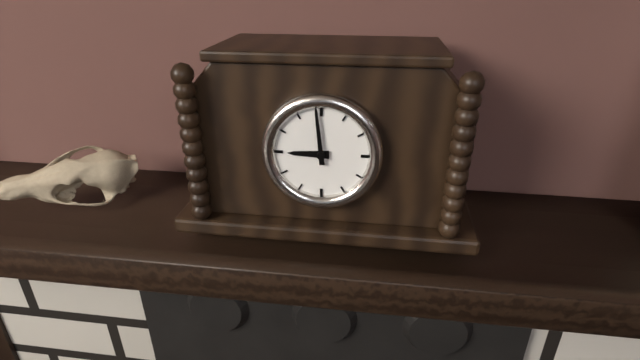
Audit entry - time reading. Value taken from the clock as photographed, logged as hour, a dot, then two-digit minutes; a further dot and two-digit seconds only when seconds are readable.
8.59
